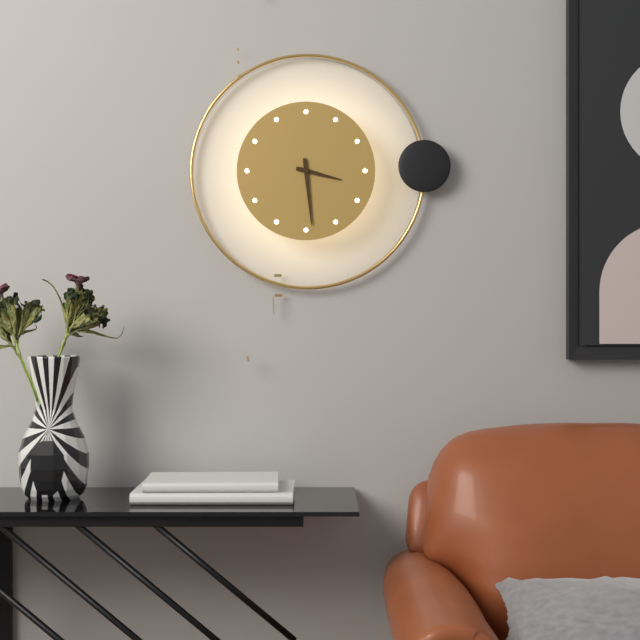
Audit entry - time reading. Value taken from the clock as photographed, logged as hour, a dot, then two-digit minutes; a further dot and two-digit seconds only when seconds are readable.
3.29
